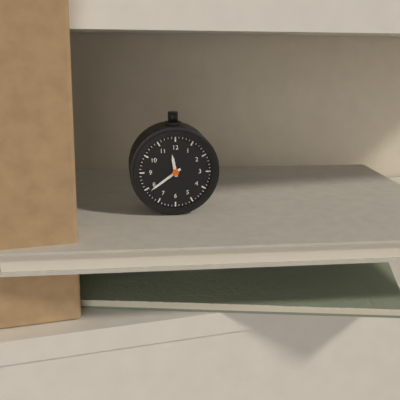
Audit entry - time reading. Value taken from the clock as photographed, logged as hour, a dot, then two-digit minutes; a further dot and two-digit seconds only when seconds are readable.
11.39
